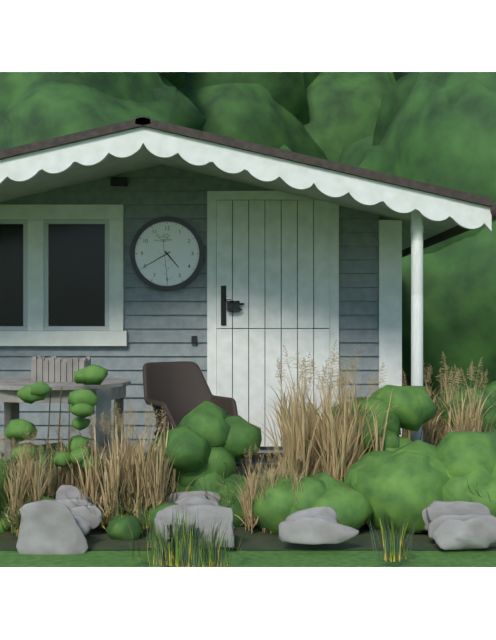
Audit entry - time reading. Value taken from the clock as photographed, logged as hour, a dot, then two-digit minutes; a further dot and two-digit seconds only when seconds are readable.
4.40
